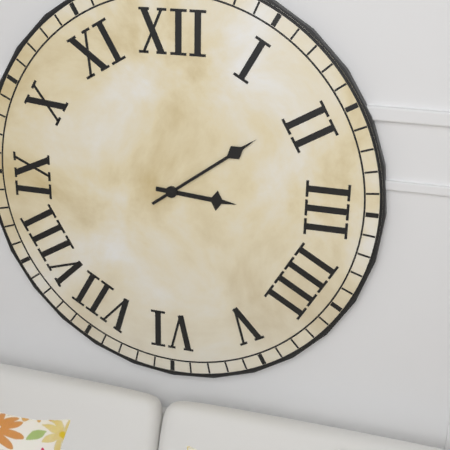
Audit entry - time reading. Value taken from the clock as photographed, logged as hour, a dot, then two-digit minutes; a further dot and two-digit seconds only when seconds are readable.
3.09
